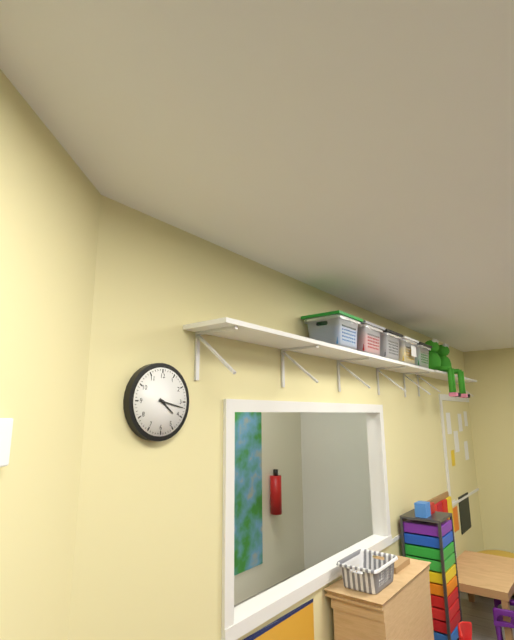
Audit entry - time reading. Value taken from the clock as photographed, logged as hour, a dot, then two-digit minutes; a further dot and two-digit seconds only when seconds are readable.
4.17
